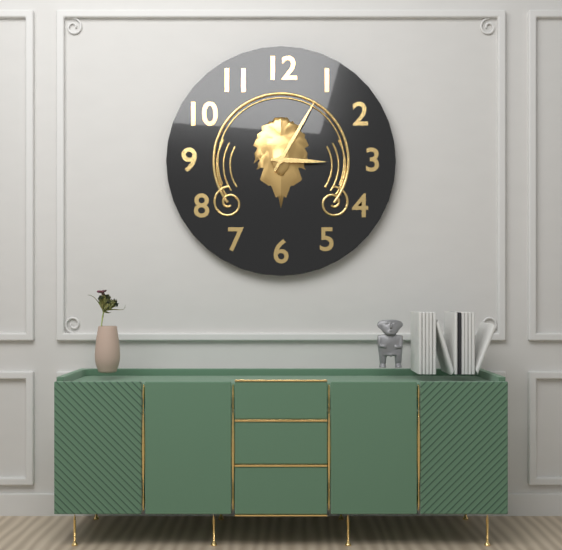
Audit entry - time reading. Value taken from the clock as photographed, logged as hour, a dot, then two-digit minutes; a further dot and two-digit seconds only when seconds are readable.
3.05
